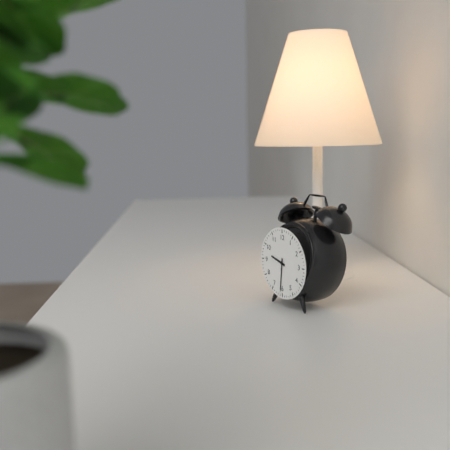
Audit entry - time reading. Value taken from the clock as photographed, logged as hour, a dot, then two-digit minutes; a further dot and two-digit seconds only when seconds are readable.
9.31
